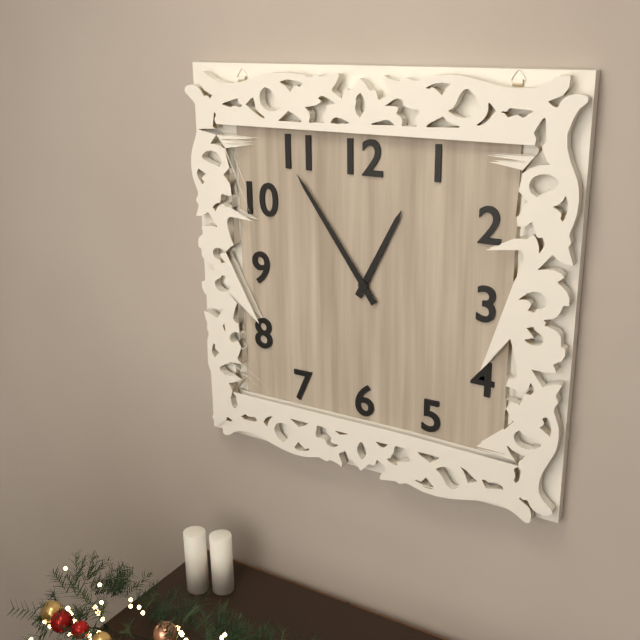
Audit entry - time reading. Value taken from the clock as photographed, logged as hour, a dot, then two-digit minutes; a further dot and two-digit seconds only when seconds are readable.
12.54
